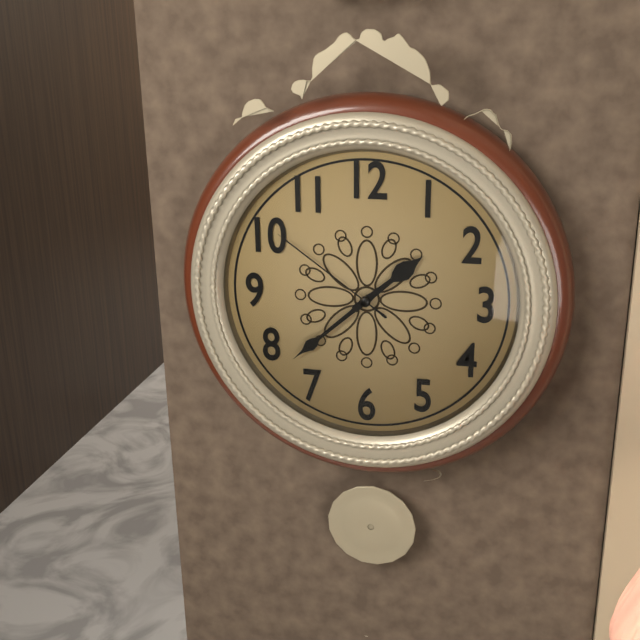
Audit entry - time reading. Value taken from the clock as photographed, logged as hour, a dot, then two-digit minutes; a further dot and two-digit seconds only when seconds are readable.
1.38.51
